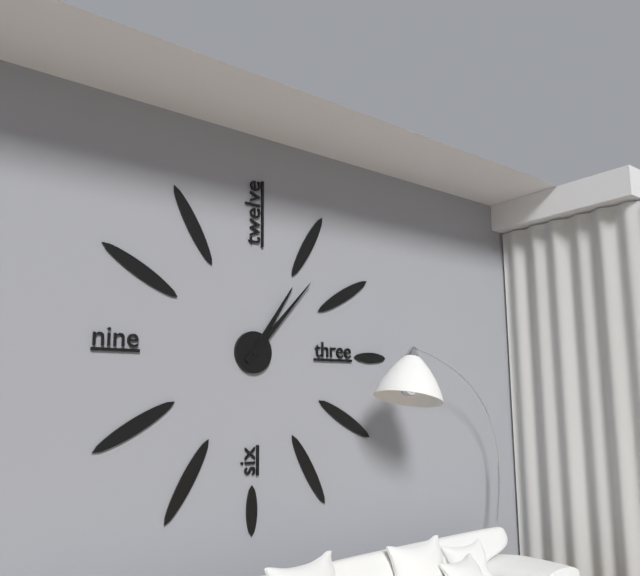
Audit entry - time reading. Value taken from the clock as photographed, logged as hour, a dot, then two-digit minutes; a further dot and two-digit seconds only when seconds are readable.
1.07
